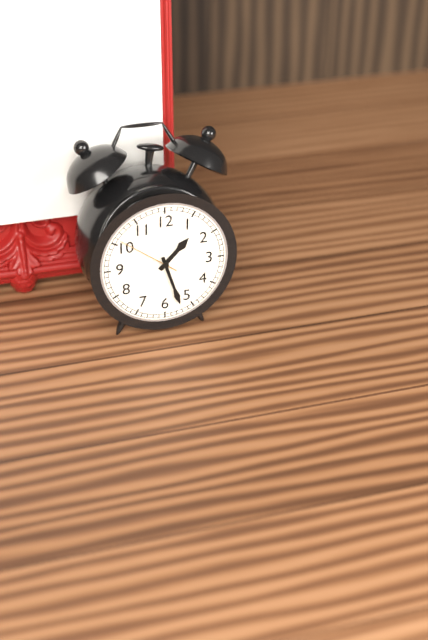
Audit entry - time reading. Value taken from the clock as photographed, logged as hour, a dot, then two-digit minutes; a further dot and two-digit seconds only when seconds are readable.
1.27.51
